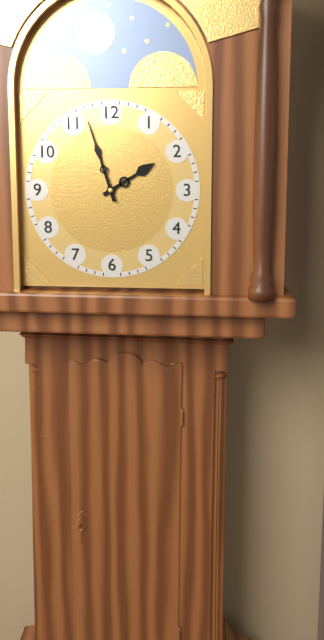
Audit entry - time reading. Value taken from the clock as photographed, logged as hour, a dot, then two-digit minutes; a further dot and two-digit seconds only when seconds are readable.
1.57
